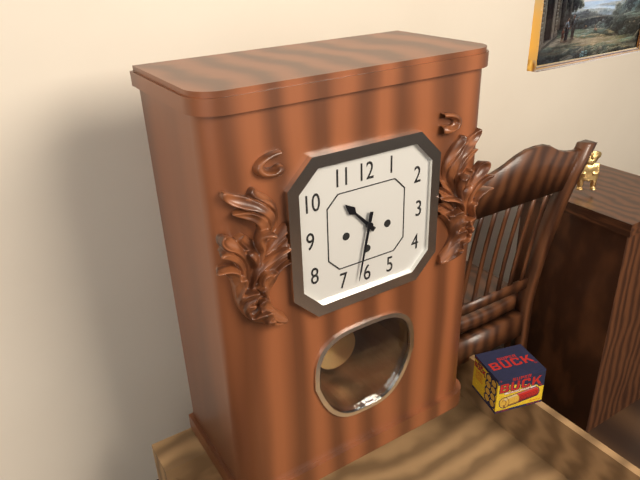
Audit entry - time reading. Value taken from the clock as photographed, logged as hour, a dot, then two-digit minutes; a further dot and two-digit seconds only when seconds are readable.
10.32
